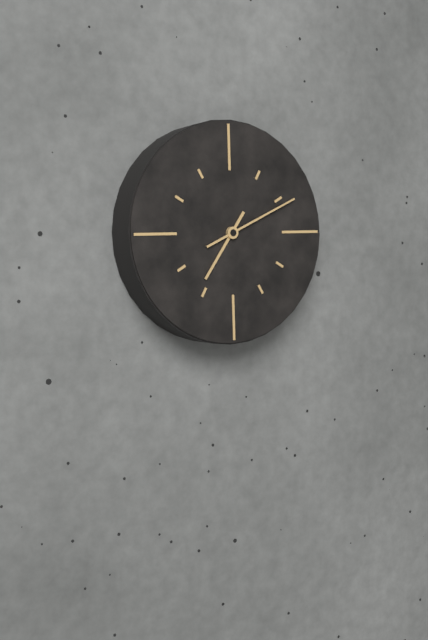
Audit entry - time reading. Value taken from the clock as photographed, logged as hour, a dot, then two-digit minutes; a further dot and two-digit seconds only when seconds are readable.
7.11
